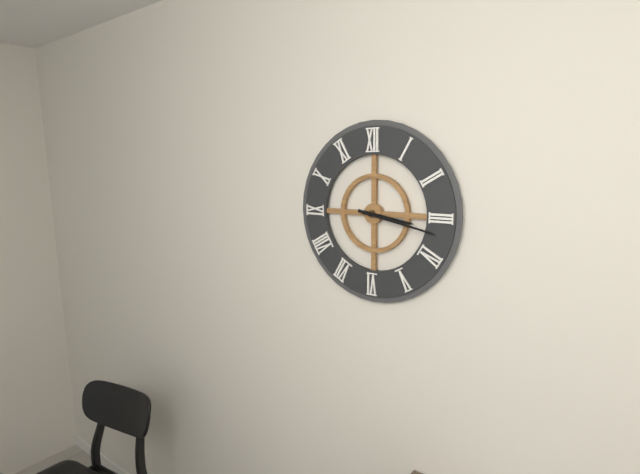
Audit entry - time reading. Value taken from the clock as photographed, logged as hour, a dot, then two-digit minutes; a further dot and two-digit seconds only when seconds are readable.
3.17
